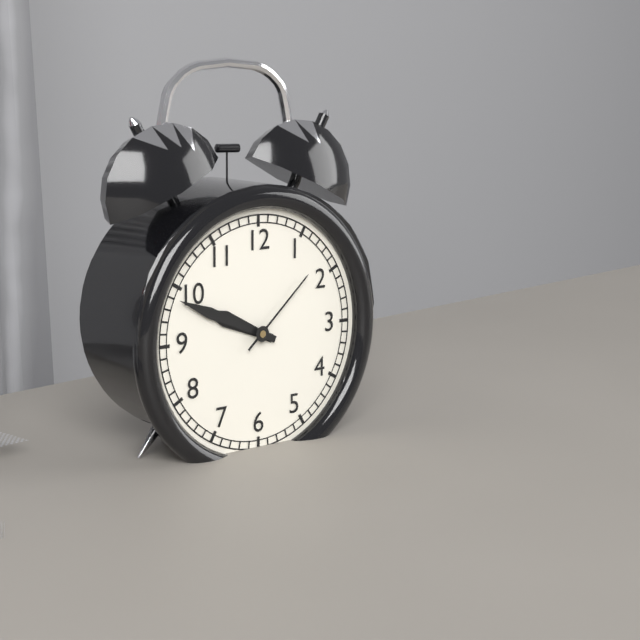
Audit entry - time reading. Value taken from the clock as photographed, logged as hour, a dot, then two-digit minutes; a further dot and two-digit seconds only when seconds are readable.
9.49.08
